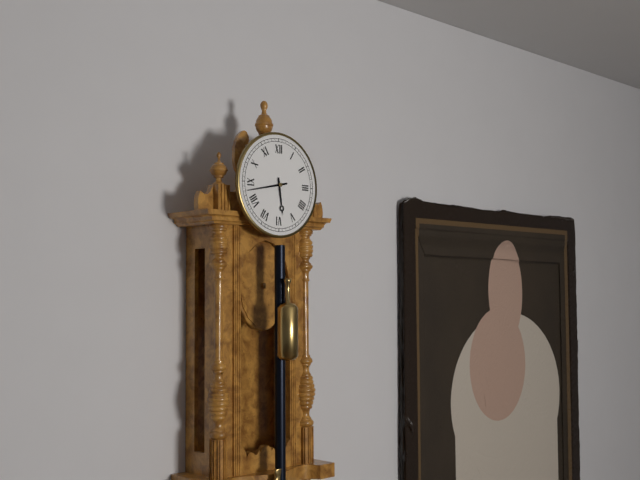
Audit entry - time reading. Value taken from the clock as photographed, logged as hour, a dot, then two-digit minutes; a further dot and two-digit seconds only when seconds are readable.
5.43
